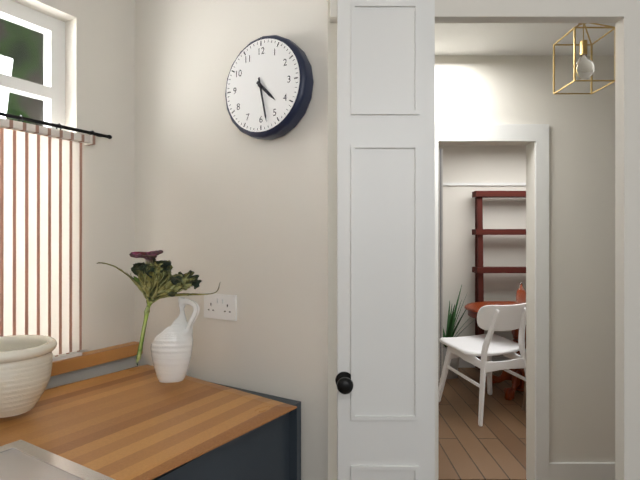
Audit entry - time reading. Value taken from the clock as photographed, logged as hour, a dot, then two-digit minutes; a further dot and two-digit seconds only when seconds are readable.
4.28
